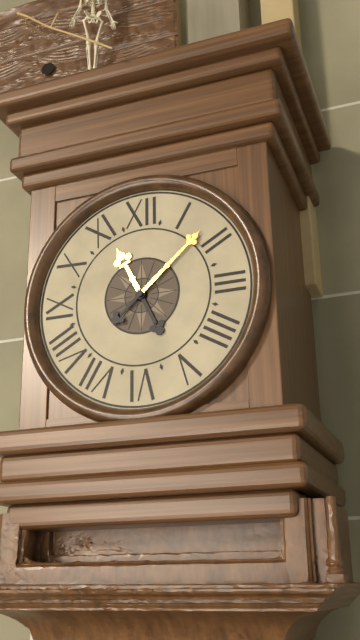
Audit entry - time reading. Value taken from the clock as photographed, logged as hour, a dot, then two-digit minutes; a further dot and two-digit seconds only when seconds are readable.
11.08
